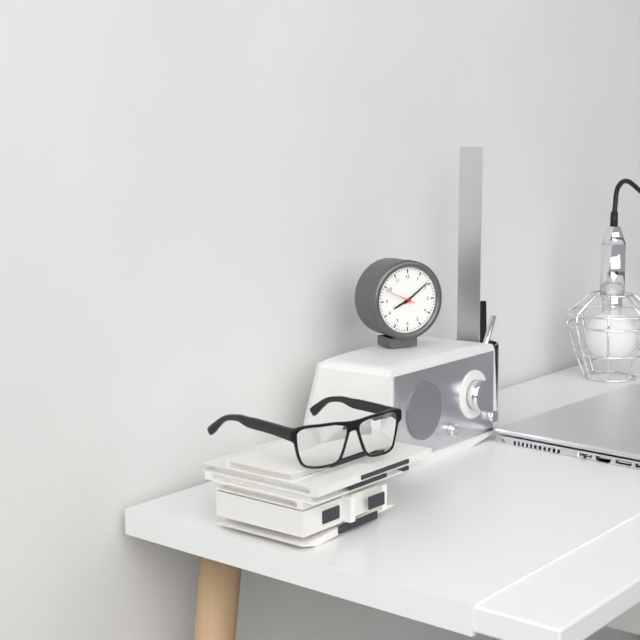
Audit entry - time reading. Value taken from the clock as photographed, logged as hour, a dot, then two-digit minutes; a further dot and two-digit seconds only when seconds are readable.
8.09
